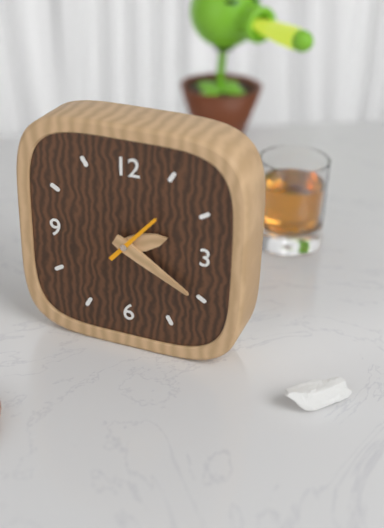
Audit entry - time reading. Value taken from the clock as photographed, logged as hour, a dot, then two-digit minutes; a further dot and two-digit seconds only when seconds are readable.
2.20
